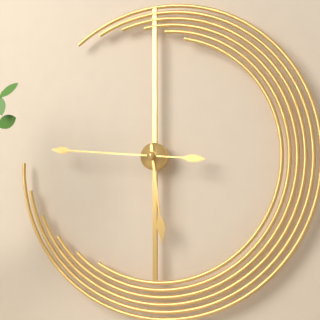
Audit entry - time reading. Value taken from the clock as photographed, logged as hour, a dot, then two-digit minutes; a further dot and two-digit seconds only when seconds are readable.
5.46
